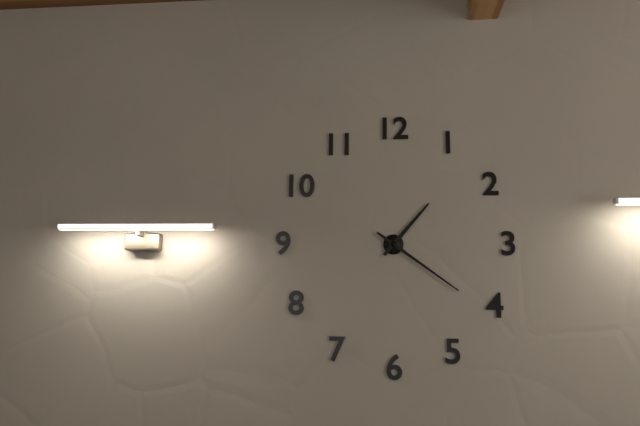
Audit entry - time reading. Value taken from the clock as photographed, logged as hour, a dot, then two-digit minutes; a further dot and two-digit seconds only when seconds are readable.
1.21
